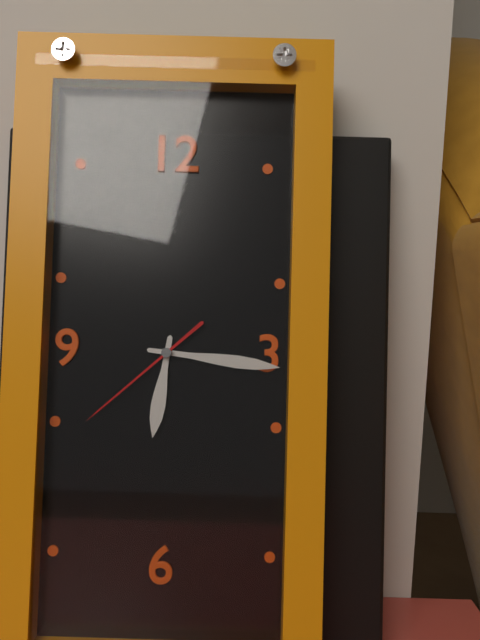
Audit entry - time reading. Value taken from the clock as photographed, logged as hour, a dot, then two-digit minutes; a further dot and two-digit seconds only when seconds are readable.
6.16.38
